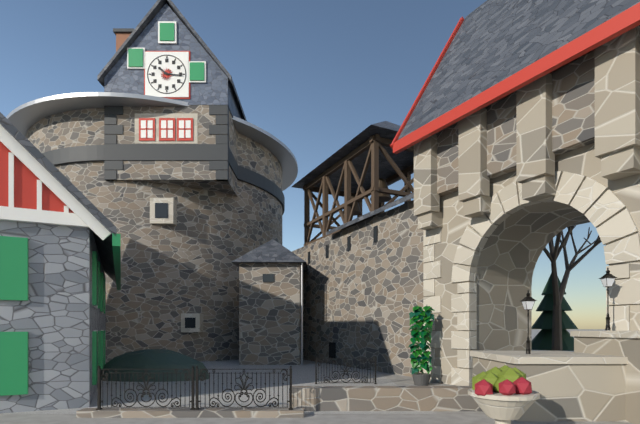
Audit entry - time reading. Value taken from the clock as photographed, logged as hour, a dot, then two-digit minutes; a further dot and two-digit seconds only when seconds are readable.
10.16
